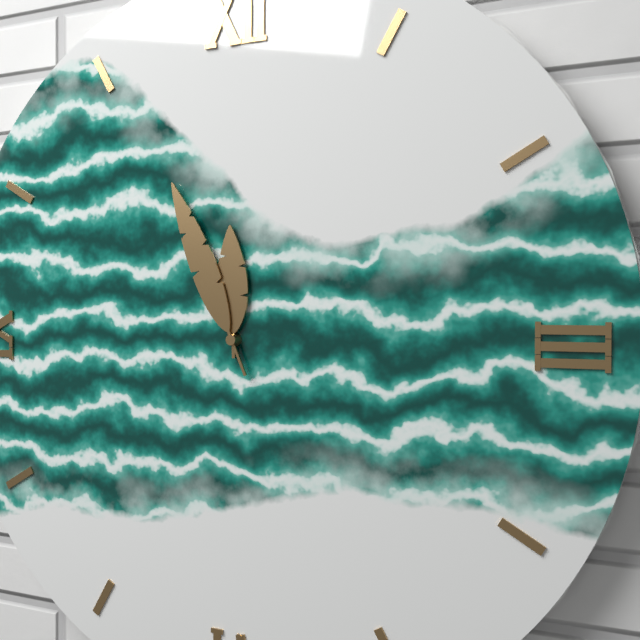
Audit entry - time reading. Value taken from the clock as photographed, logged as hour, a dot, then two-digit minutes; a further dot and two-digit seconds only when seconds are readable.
11.56
